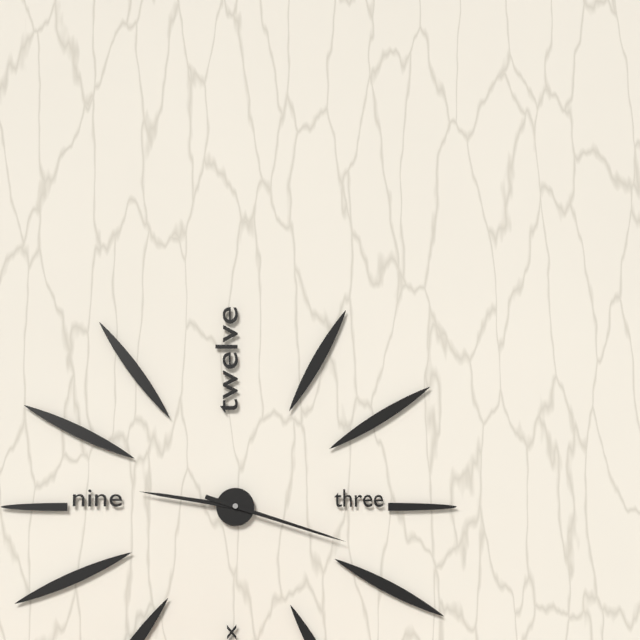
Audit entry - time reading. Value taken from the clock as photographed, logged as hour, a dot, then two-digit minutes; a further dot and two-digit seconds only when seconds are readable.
9.18
